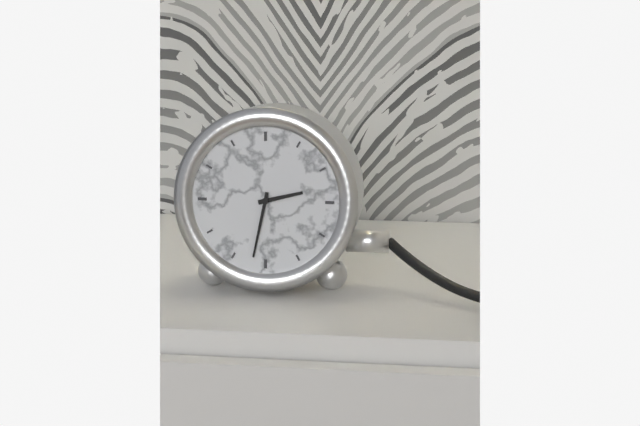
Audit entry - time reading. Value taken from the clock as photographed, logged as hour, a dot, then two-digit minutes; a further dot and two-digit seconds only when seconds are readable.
2.32
